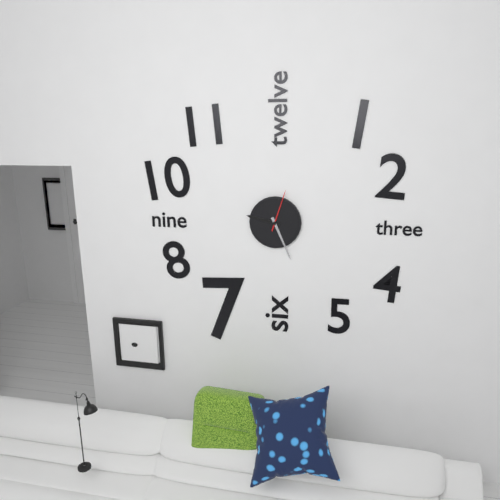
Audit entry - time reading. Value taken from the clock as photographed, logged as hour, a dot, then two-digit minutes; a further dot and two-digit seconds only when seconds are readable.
9.26
